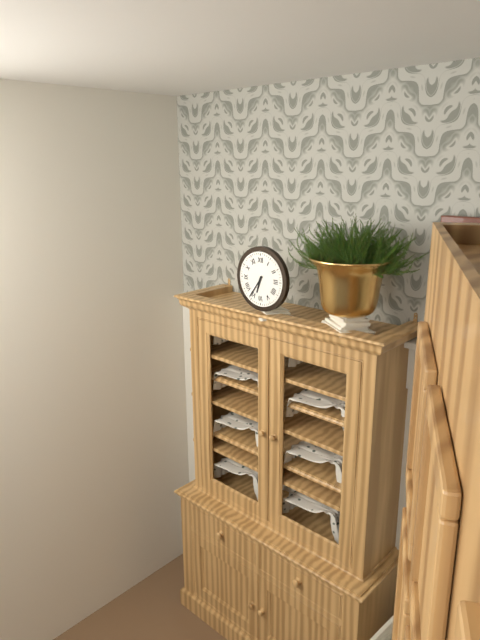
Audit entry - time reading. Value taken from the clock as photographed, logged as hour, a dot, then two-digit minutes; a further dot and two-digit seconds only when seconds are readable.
6.36
